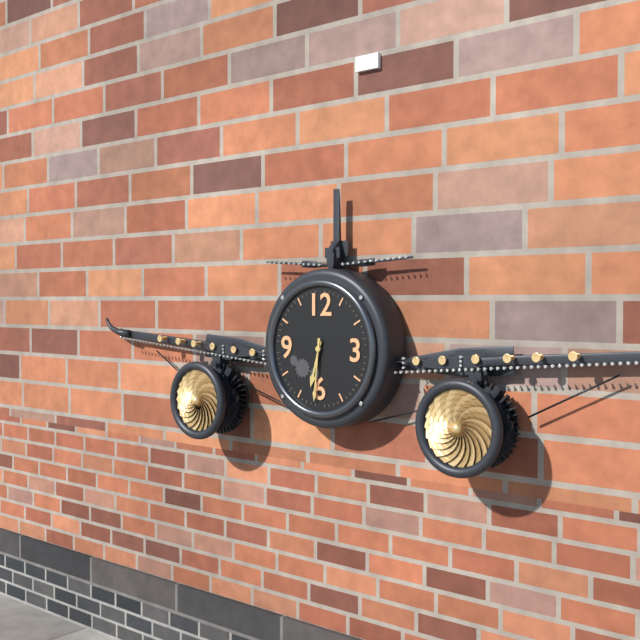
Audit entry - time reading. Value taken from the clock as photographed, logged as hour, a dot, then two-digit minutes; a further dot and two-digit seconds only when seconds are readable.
6.31
